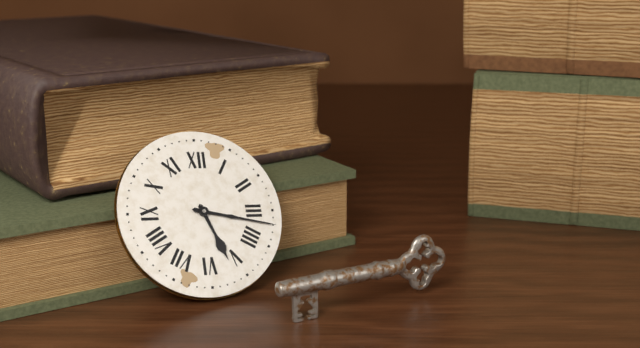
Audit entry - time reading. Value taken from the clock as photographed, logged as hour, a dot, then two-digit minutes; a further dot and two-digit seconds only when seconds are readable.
5.17
